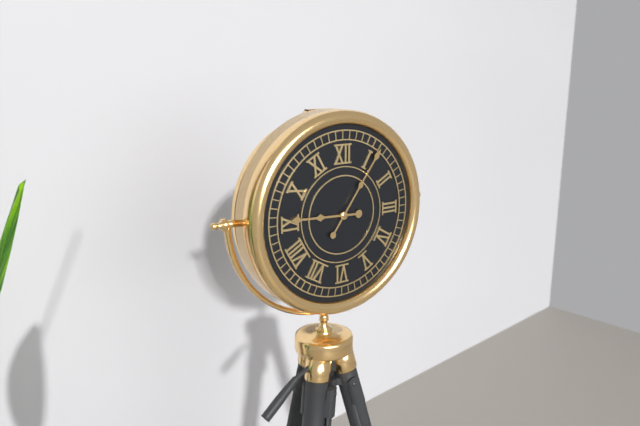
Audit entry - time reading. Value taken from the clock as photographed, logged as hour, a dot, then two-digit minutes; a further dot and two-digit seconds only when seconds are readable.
9.06
